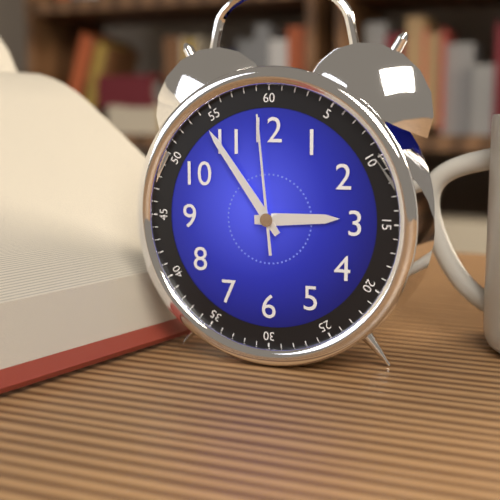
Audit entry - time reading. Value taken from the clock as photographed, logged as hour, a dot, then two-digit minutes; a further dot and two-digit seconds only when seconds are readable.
2.54.59
